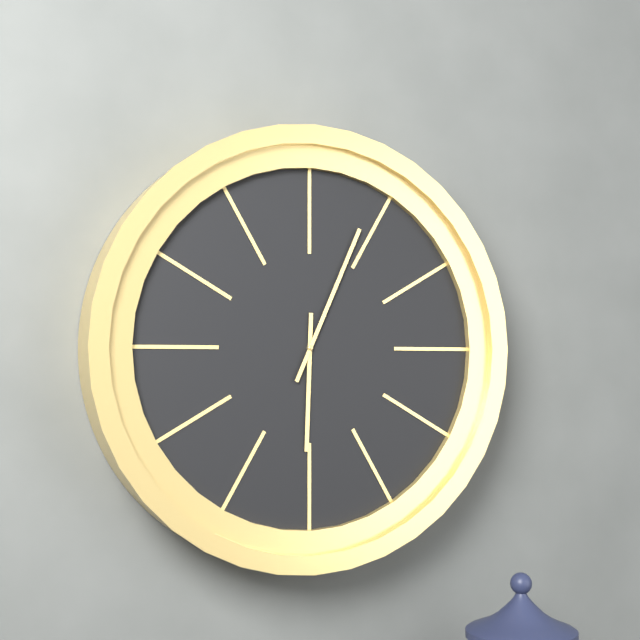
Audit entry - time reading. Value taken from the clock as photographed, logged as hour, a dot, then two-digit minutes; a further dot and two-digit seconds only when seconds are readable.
6.04
